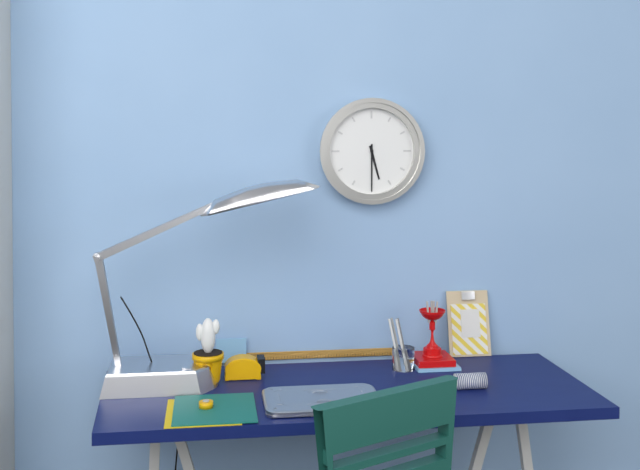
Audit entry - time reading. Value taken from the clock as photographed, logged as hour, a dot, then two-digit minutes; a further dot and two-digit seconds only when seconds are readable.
5.30
